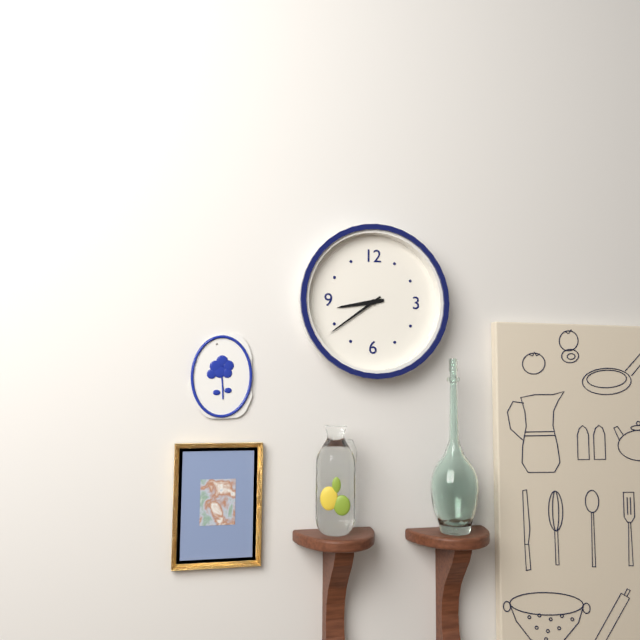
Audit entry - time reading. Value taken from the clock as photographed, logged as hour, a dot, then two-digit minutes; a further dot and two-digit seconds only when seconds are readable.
8.39
